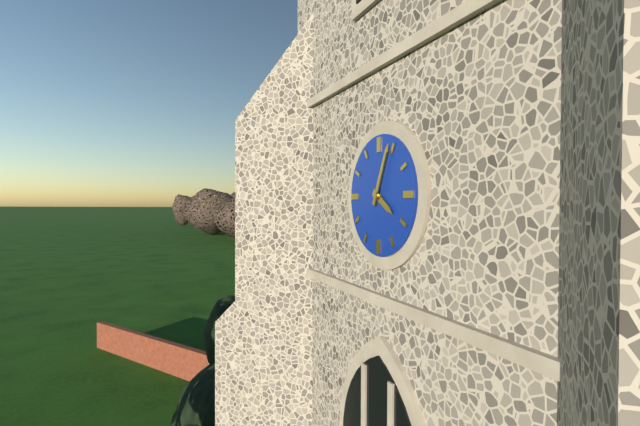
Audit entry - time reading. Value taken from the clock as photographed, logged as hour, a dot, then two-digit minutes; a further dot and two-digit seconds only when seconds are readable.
4.04
